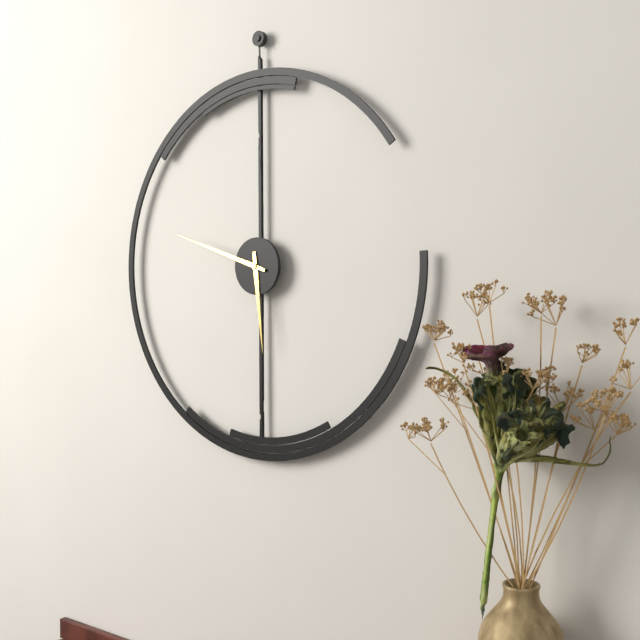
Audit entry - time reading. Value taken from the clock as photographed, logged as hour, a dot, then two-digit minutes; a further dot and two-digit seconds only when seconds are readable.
5.48
